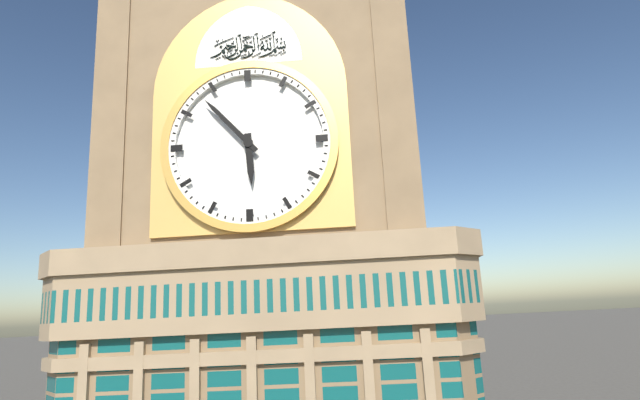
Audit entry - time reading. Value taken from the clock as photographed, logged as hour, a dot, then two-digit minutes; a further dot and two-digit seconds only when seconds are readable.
5.53
